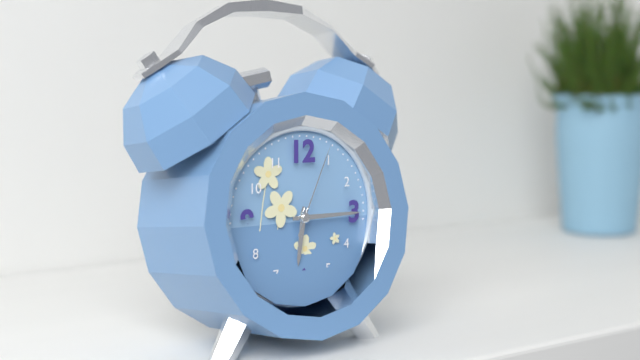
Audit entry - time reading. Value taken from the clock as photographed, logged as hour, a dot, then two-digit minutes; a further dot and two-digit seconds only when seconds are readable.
6.15.04
